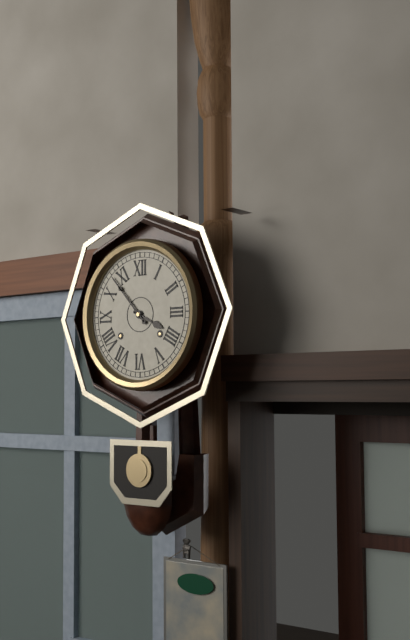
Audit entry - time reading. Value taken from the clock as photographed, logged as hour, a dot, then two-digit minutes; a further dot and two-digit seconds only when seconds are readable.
3.53
